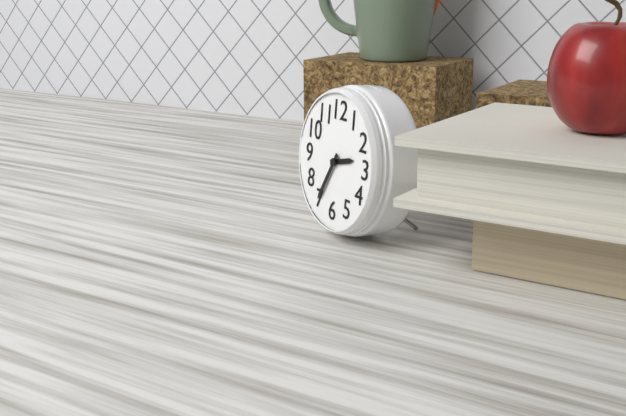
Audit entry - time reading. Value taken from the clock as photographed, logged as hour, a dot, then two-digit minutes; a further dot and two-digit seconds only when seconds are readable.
2.35
